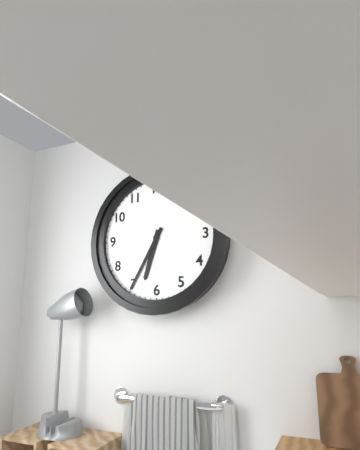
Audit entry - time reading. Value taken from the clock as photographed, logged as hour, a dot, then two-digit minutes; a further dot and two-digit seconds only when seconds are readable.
6.35
